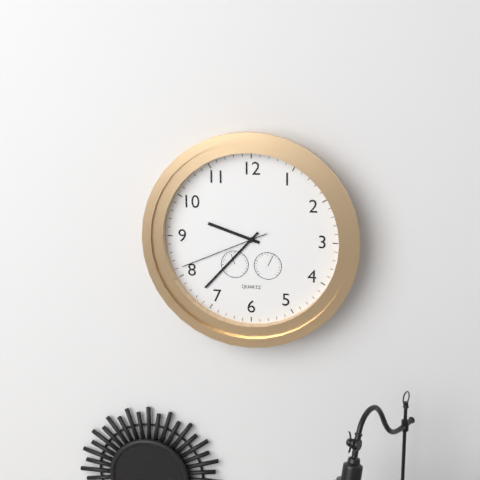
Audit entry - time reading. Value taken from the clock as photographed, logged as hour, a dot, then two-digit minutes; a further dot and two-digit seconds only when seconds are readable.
9.37.41
